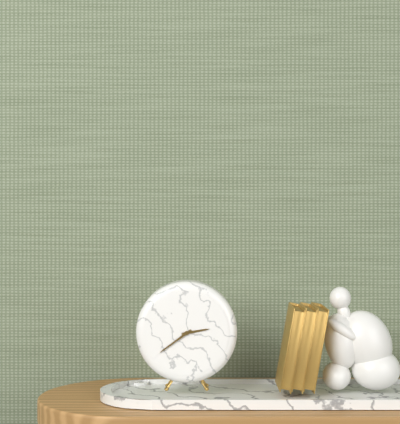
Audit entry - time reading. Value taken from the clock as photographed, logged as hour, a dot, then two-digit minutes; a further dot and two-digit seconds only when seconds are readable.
2.39
